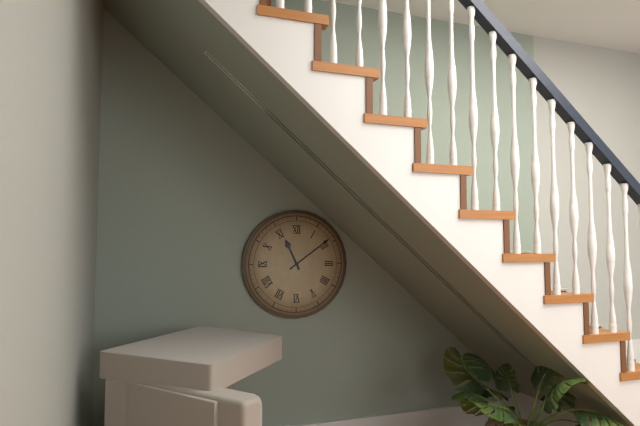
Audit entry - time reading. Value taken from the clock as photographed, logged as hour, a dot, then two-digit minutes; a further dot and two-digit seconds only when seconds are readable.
11.09
